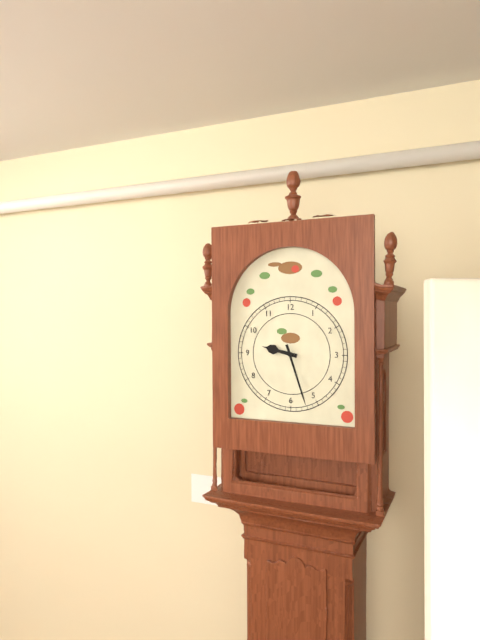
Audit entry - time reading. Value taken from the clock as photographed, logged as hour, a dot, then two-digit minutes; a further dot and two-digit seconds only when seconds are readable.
9.27
